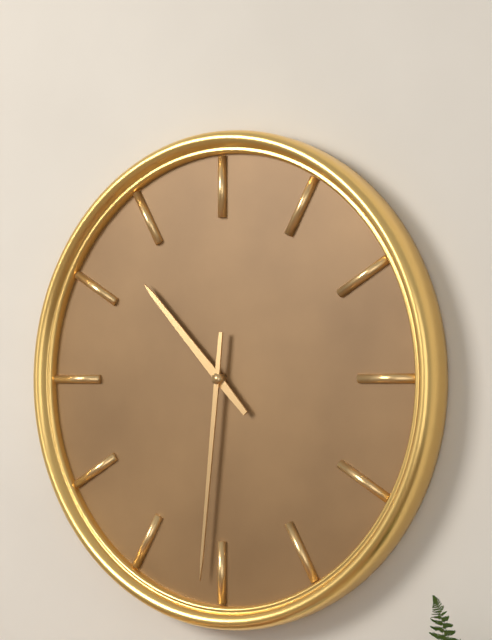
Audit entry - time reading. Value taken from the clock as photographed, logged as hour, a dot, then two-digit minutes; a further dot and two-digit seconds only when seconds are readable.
10.31
